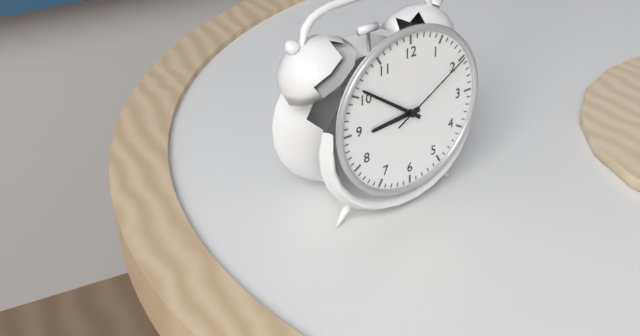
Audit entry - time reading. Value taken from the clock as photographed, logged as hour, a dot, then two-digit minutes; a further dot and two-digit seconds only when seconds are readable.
8.51.10
